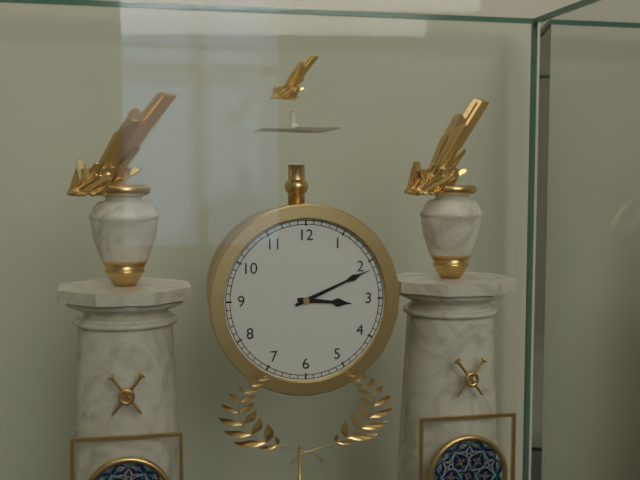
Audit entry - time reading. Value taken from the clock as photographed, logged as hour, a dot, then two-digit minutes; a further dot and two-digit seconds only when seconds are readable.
3.11
